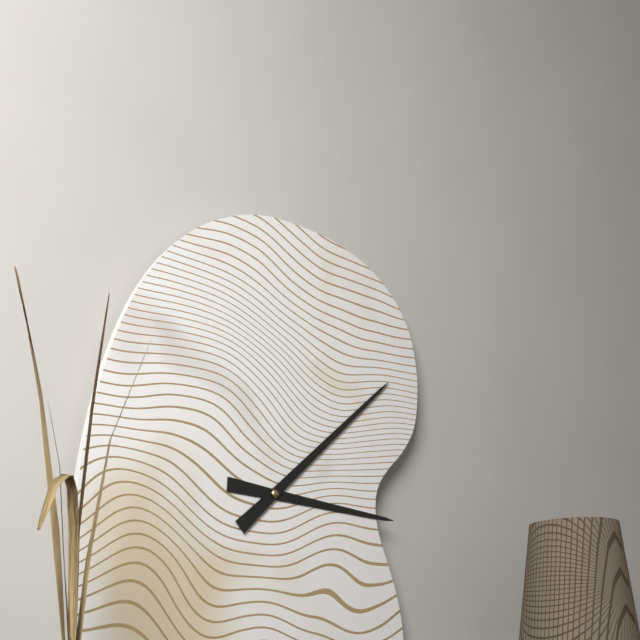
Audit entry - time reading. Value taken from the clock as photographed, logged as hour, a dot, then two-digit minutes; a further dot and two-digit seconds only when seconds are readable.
3.08
